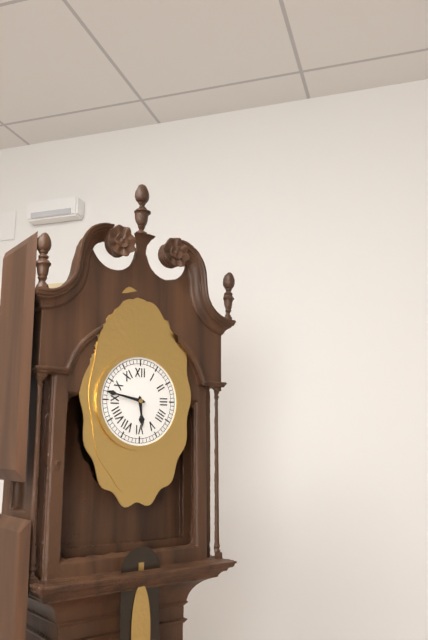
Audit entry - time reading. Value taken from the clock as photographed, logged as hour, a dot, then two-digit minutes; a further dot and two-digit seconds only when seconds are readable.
5.47
